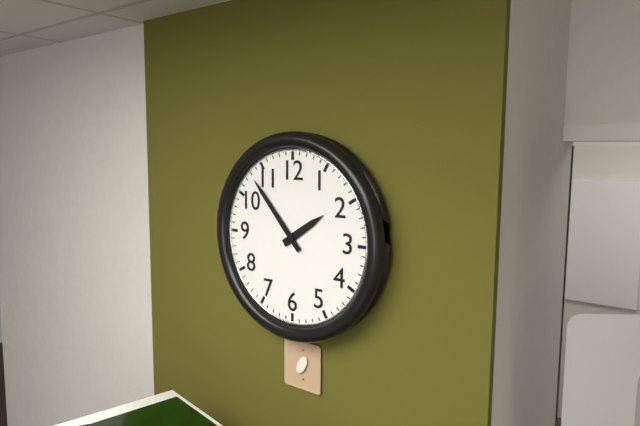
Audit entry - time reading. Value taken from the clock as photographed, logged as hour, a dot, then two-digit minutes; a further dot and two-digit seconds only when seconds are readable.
1.53
